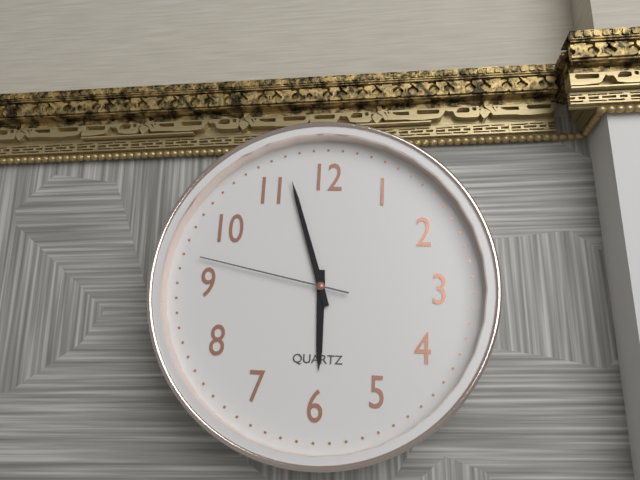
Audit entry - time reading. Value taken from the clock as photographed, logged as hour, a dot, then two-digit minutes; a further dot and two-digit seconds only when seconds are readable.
5.57.47
